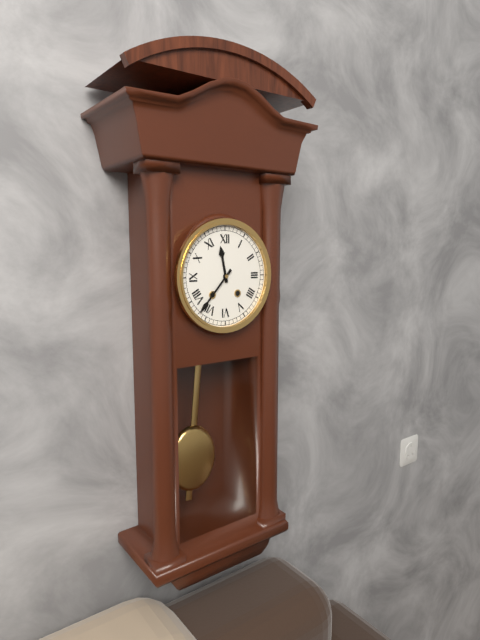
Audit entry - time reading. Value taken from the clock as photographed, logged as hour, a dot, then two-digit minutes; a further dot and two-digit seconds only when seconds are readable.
11.37
